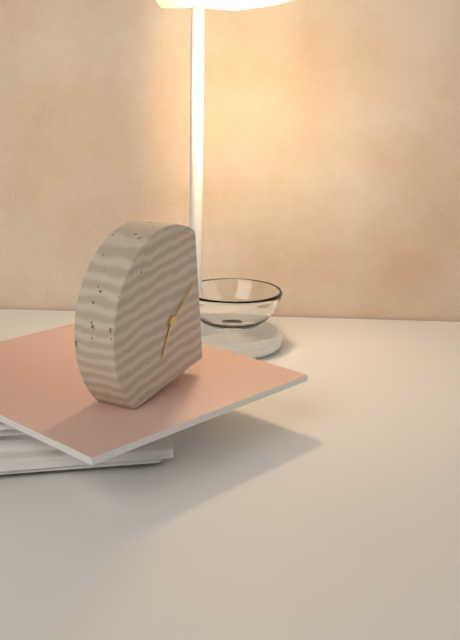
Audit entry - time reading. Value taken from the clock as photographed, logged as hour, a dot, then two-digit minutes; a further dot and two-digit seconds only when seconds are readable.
7.10
